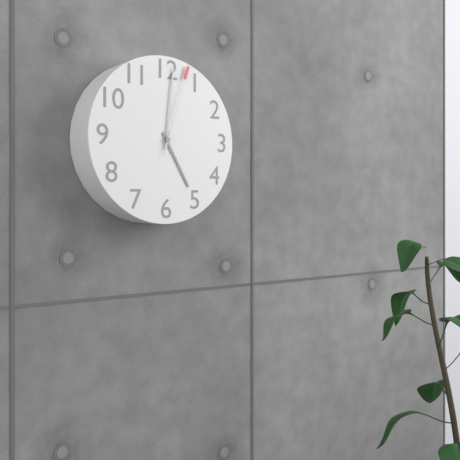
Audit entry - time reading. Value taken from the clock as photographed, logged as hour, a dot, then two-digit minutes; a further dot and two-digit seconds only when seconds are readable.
5.01.03
